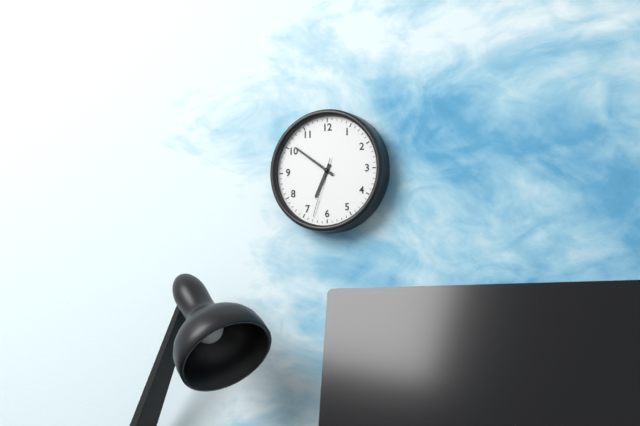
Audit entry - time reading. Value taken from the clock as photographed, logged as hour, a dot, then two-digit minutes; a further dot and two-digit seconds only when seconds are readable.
6.51.33
